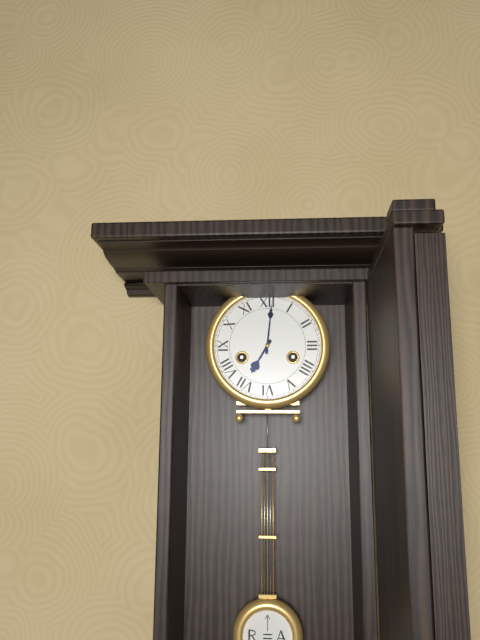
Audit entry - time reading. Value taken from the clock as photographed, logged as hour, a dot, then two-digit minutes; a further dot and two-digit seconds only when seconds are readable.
7.01
